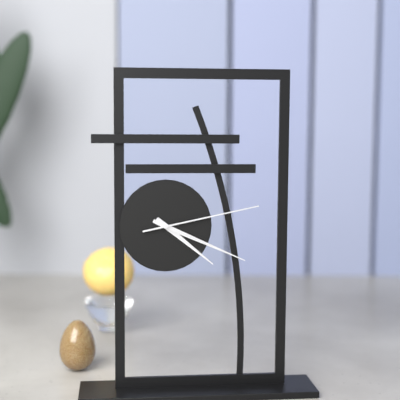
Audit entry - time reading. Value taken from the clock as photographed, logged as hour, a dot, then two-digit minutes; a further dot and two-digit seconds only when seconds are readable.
4.19.13
